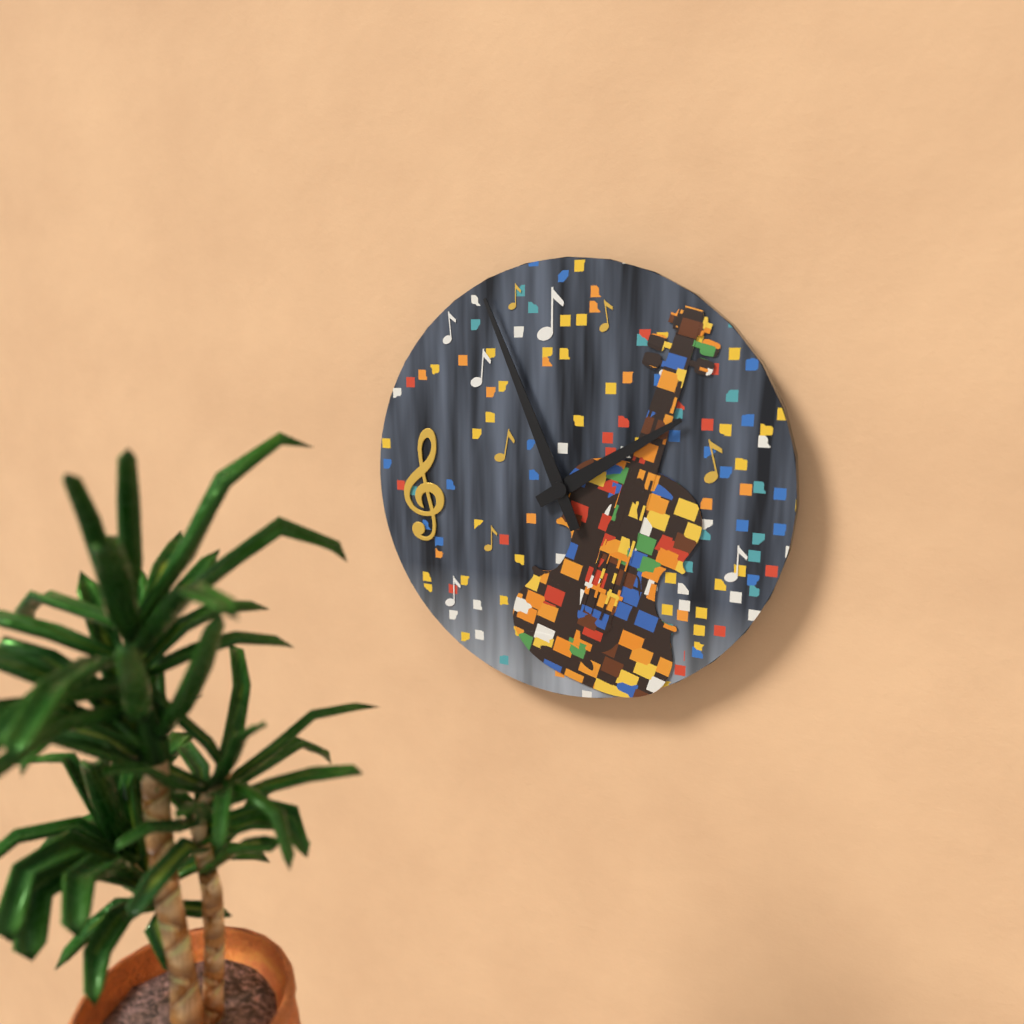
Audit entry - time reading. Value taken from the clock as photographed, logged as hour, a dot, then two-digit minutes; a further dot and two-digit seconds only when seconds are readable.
1.56
